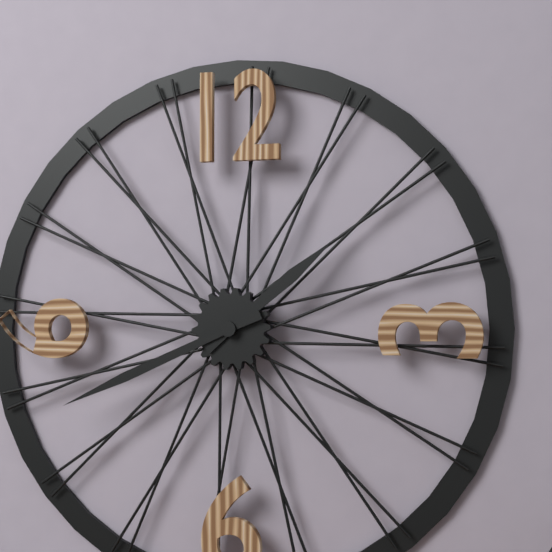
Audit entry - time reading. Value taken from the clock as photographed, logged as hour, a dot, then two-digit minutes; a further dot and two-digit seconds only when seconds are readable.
1.41
